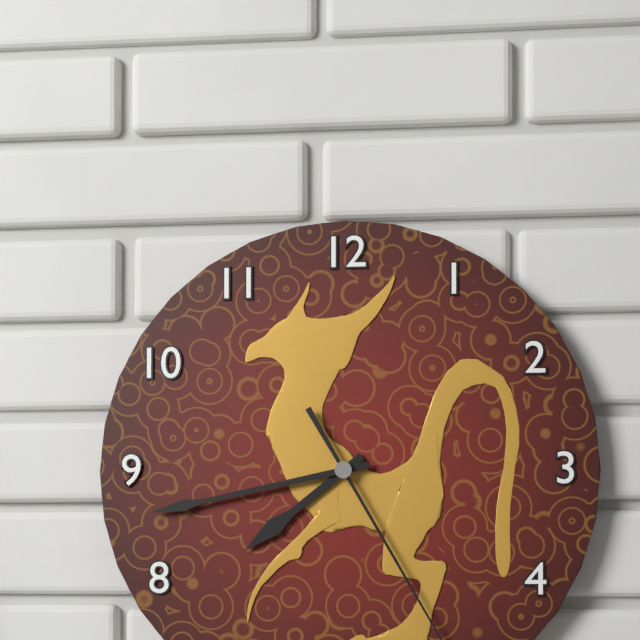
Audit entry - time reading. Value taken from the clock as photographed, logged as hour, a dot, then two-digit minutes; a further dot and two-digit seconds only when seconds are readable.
7.43
